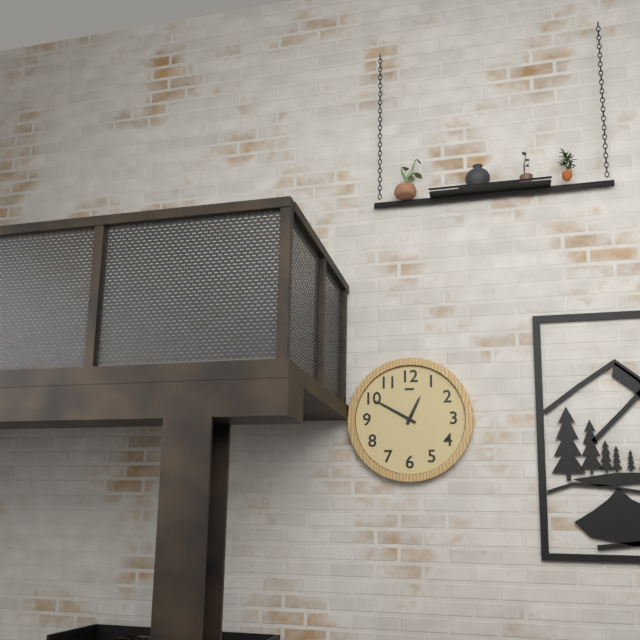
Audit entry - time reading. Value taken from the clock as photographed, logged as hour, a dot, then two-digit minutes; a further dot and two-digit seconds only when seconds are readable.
12.50
